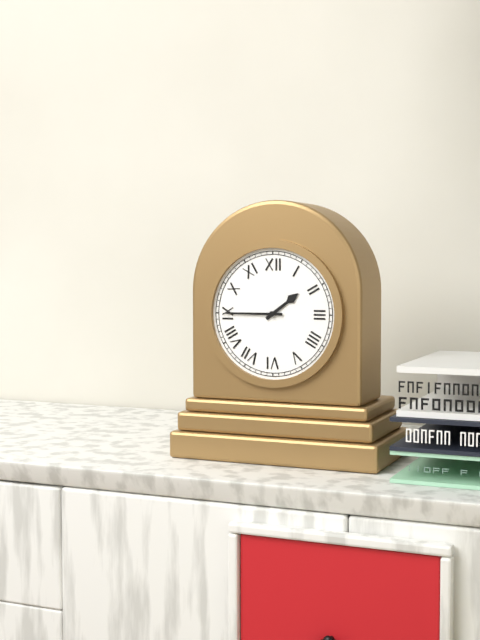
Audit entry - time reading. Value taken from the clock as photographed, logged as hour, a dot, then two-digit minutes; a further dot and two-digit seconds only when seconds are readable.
1.45
